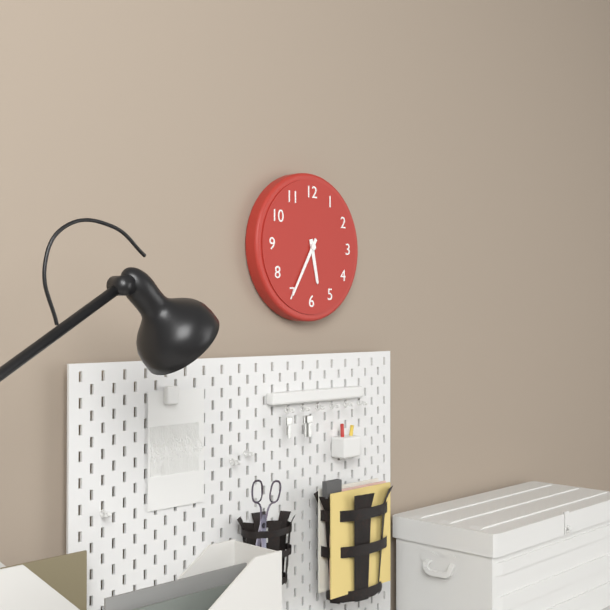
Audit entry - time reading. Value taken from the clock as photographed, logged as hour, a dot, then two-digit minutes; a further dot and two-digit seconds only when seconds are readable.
5.35
